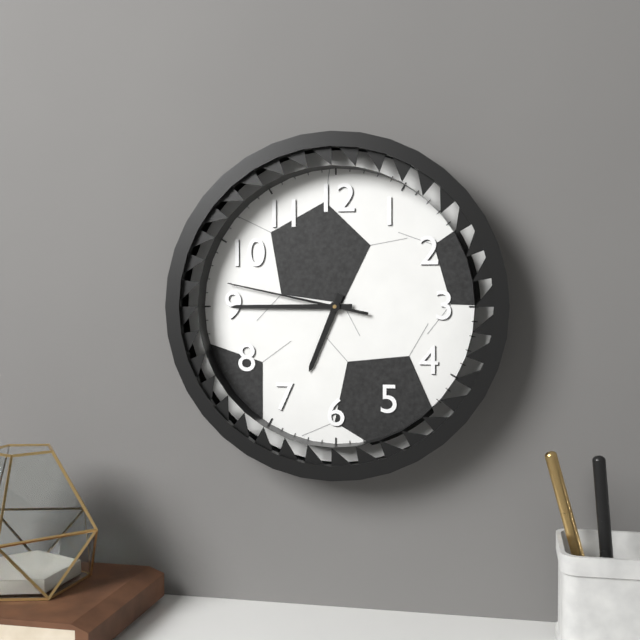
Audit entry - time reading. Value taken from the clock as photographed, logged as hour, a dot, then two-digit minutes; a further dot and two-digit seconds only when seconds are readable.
6.45.47
